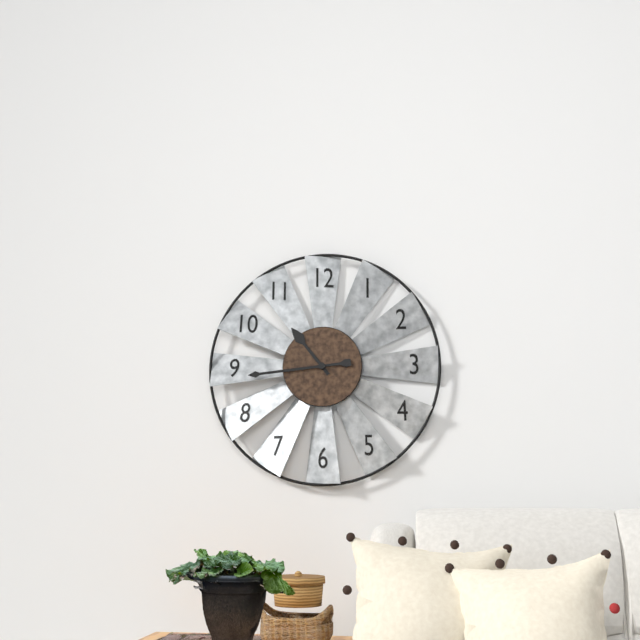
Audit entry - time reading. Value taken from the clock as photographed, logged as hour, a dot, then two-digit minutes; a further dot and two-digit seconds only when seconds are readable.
10.44
